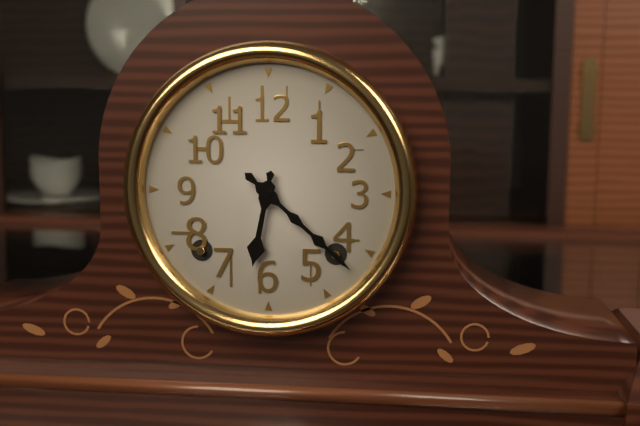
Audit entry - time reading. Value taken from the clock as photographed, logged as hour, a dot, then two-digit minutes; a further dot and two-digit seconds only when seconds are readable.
6.22
